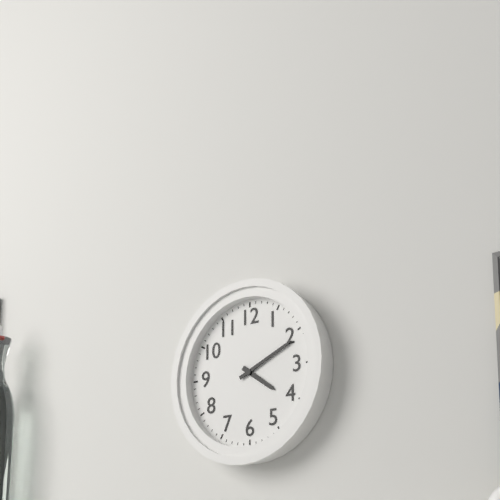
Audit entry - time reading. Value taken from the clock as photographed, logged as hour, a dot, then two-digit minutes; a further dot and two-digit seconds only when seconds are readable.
4.11
